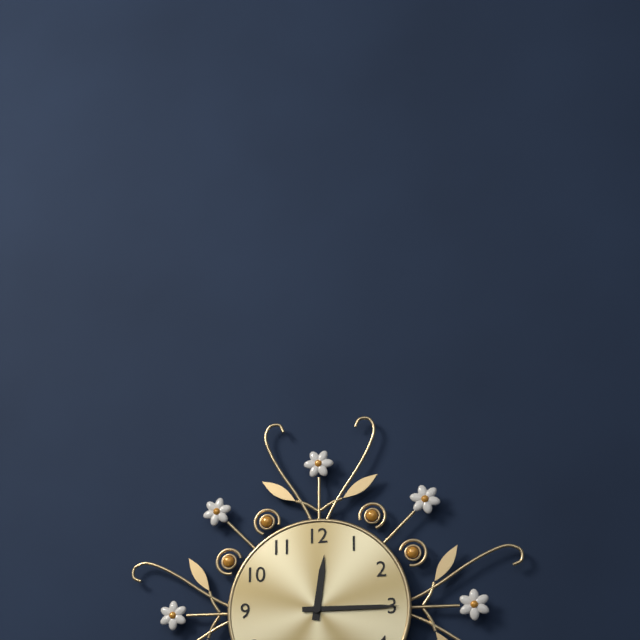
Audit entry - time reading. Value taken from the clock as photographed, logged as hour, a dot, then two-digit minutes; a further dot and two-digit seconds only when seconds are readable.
12.15
